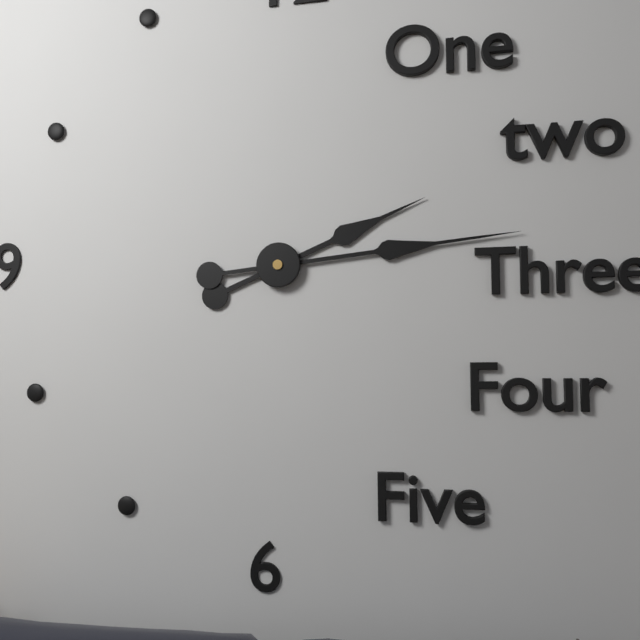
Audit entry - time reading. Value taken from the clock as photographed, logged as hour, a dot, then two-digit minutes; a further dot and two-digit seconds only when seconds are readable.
2.14
